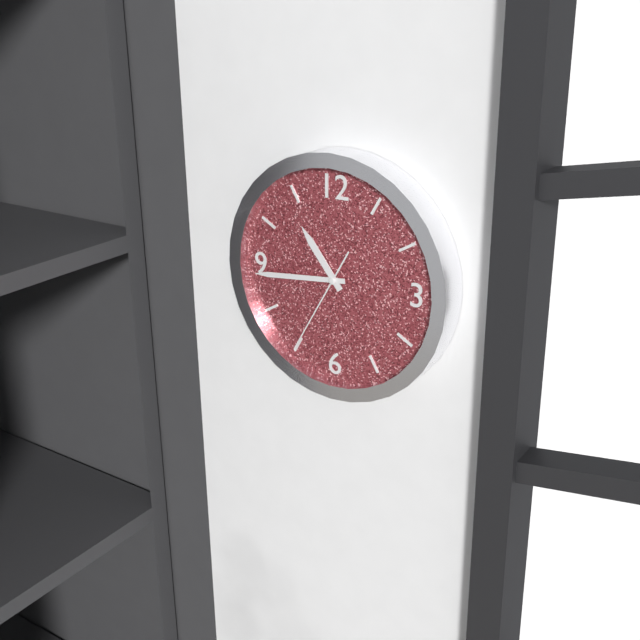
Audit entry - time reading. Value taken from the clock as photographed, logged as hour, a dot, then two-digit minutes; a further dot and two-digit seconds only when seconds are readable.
10.44.35
